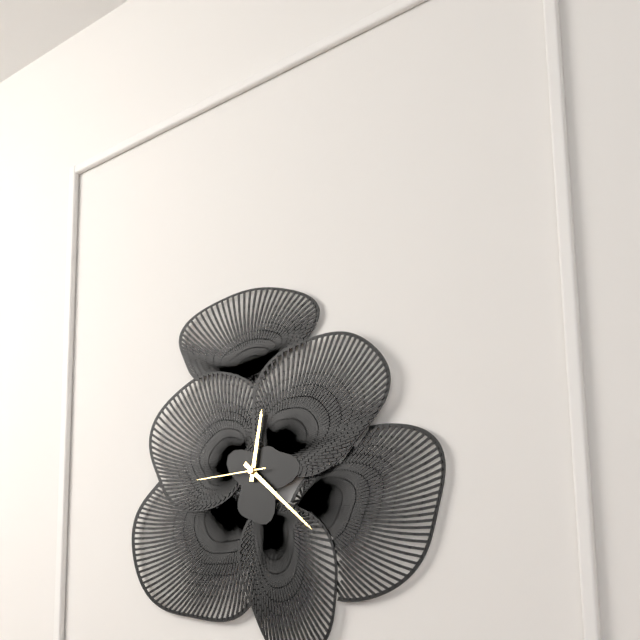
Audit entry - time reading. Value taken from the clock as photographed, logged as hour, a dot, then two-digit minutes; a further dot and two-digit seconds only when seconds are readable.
12.22.45
